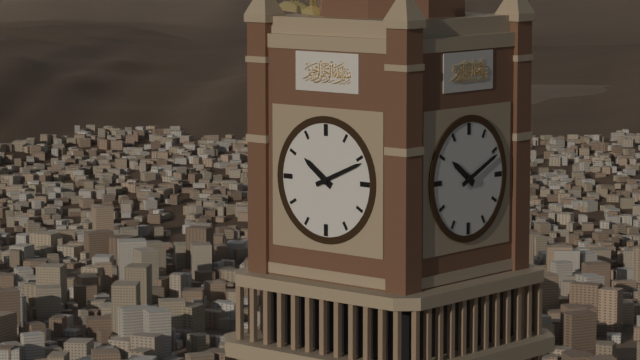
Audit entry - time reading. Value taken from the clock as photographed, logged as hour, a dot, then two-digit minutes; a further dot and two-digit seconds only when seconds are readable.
10.11
